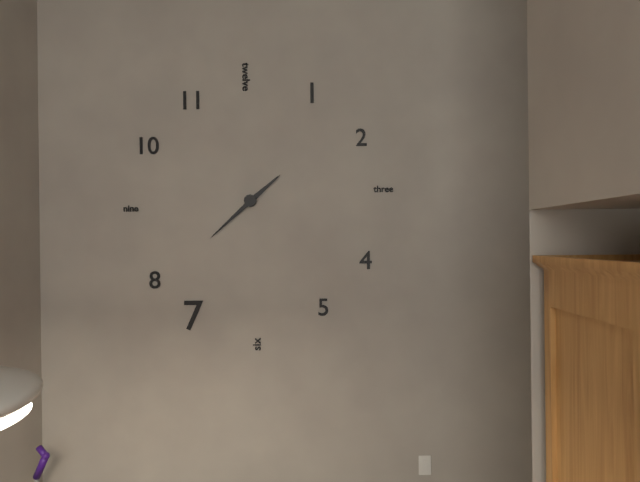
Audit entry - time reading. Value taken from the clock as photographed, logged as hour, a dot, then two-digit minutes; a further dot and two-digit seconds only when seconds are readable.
1.38
